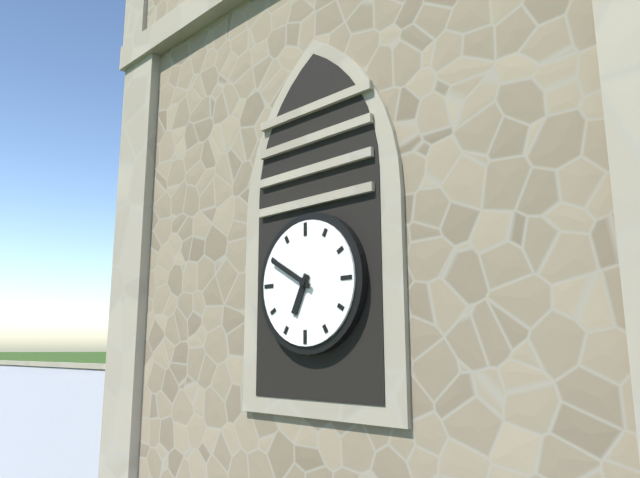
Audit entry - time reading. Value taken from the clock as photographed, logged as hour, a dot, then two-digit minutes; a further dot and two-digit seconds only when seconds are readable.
6.50
